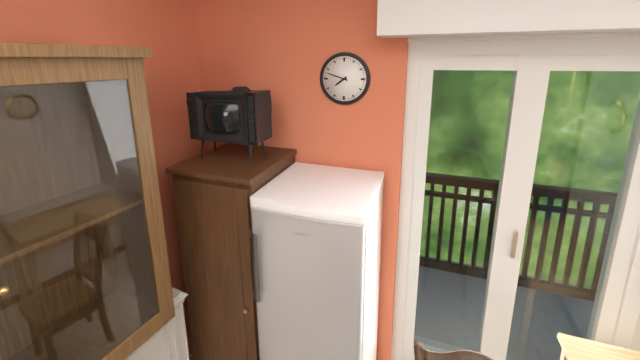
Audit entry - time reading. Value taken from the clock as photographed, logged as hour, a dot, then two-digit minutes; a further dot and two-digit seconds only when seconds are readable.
7.48
